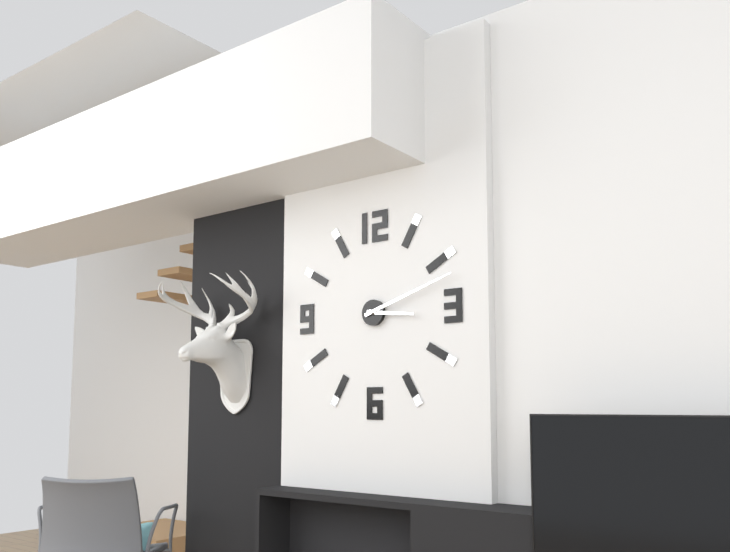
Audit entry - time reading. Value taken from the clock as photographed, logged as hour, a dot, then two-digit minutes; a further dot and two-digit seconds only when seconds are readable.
3.12
